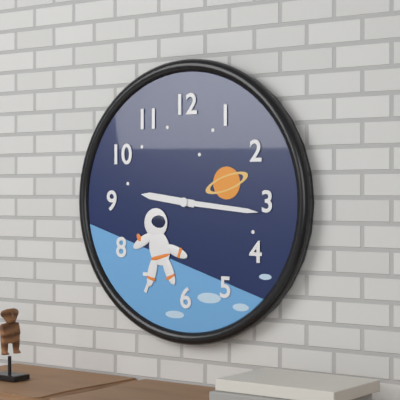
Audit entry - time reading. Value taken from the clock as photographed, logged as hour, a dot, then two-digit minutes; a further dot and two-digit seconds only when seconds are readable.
9.16
